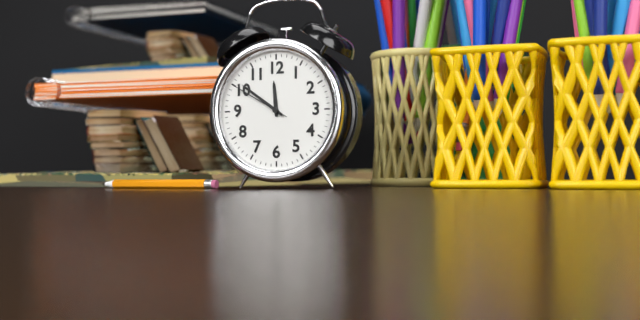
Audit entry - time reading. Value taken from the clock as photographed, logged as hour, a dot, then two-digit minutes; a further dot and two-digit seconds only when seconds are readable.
11.51.50
